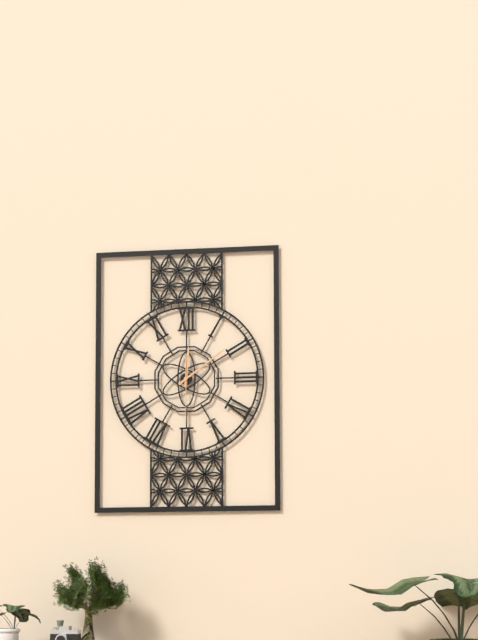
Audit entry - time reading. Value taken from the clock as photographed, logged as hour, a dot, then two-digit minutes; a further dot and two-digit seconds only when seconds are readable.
12.09.30
